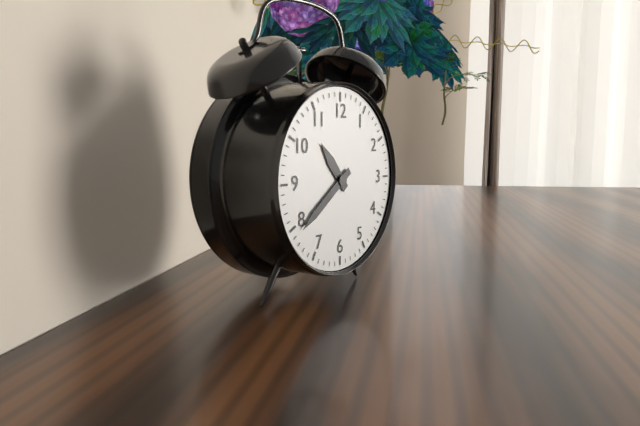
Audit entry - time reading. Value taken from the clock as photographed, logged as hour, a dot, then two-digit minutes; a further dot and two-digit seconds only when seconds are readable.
10.39
